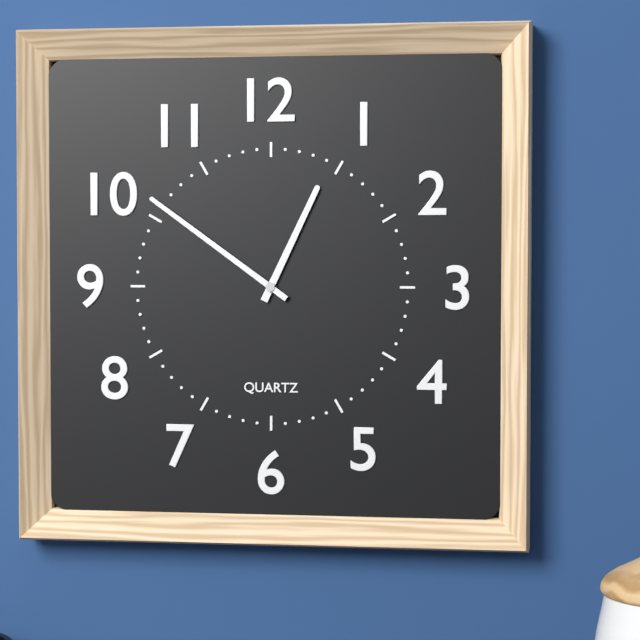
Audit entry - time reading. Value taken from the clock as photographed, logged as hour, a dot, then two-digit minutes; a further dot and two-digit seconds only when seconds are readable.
12.51
